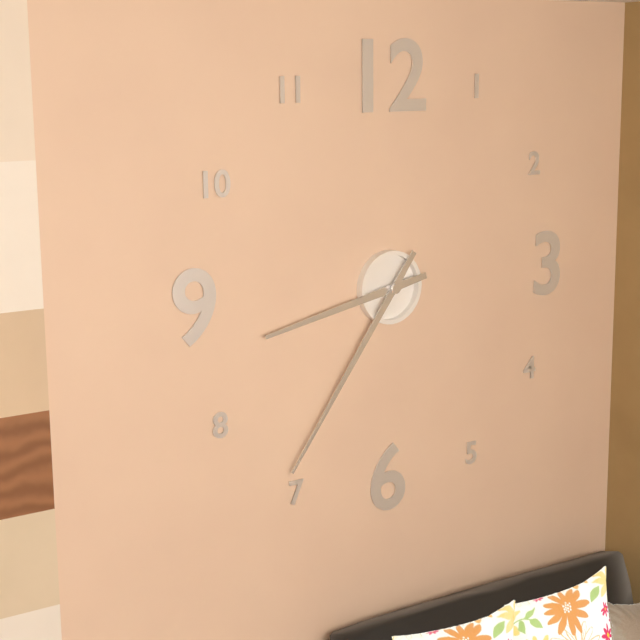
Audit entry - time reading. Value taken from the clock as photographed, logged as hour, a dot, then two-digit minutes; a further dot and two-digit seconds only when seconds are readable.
8.36
